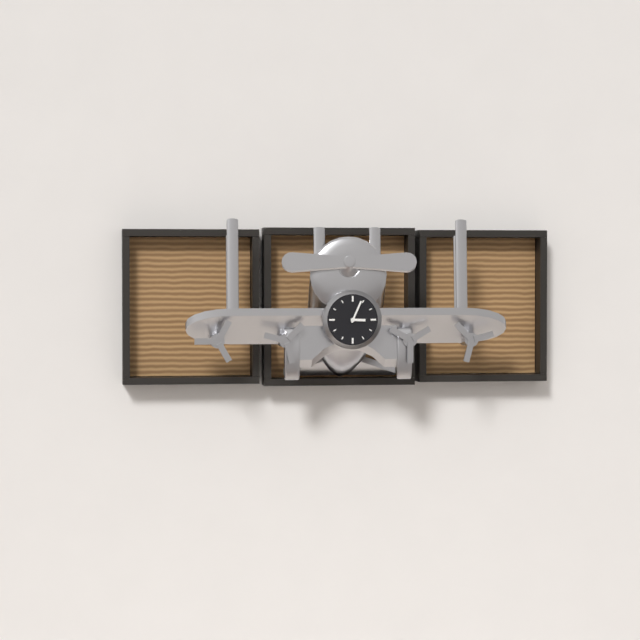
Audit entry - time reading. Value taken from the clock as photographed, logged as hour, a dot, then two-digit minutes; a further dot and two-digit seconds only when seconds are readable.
3.04
